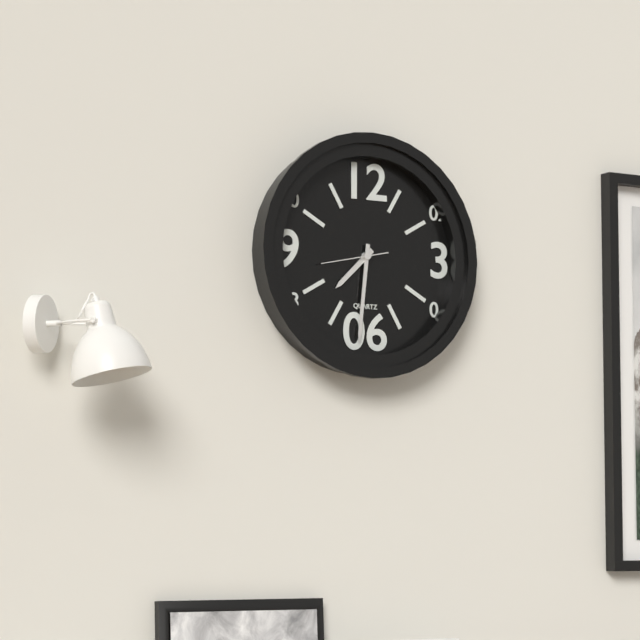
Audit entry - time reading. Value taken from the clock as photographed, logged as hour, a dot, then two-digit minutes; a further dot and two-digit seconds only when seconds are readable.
7.31
